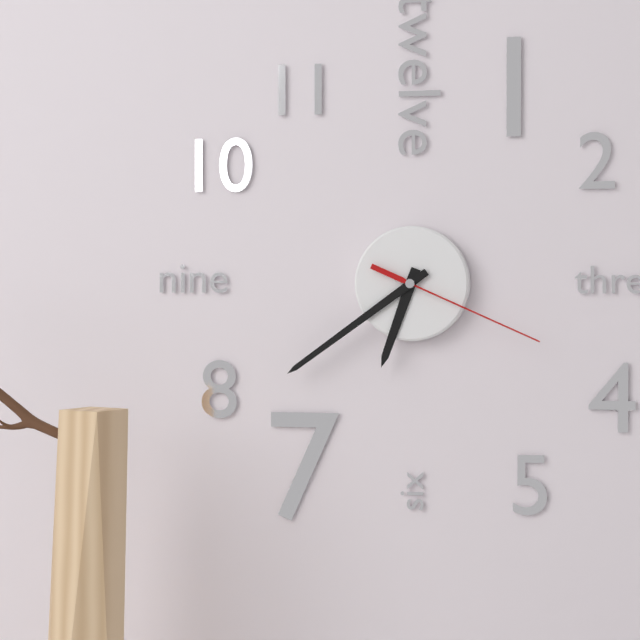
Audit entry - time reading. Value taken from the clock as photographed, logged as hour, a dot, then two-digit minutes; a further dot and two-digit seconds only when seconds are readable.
6.39.19
